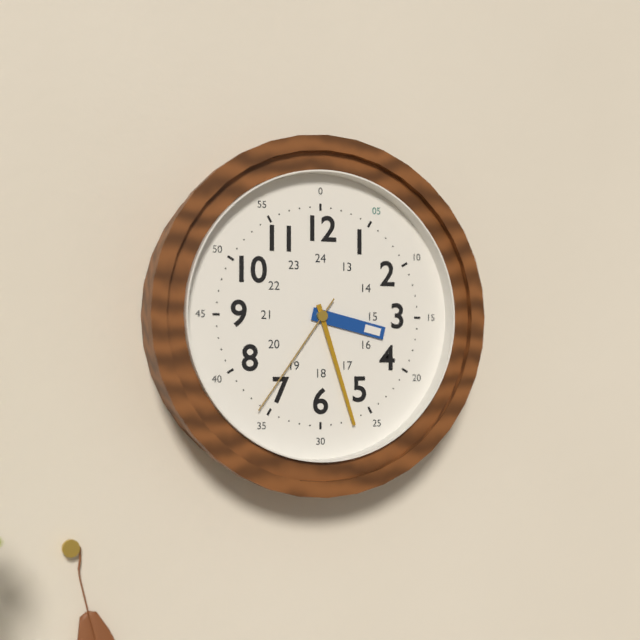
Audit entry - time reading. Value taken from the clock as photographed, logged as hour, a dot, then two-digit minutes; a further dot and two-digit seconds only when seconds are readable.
3.27.36
